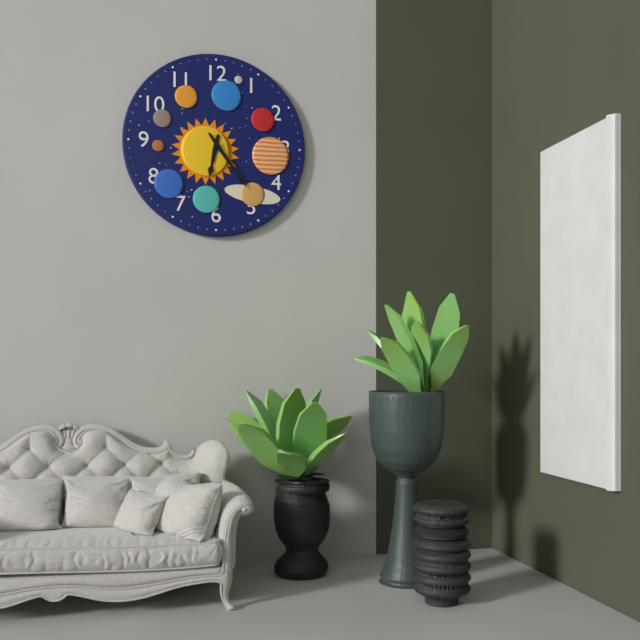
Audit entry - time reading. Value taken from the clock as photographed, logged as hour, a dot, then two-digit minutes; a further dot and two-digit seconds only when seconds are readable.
6.24
